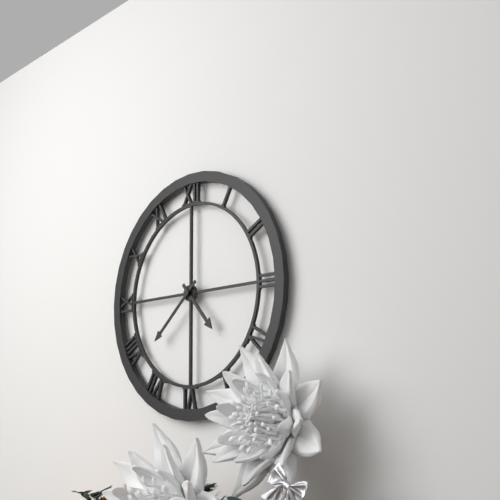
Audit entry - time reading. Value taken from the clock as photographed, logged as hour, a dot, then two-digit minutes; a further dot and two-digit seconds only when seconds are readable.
4.38
